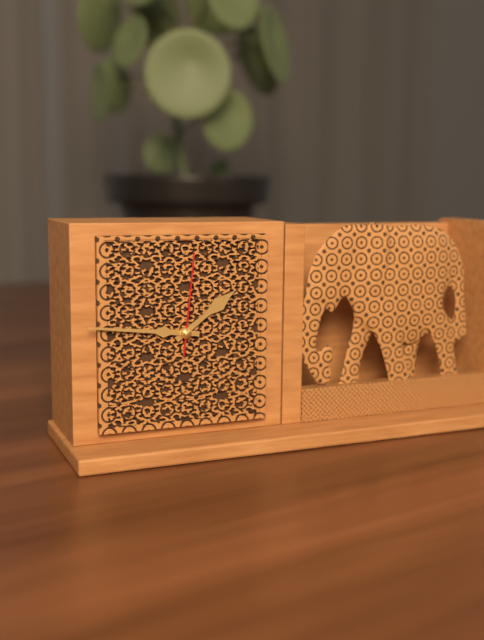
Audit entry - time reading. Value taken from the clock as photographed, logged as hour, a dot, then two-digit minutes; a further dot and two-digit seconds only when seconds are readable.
1.46.01
